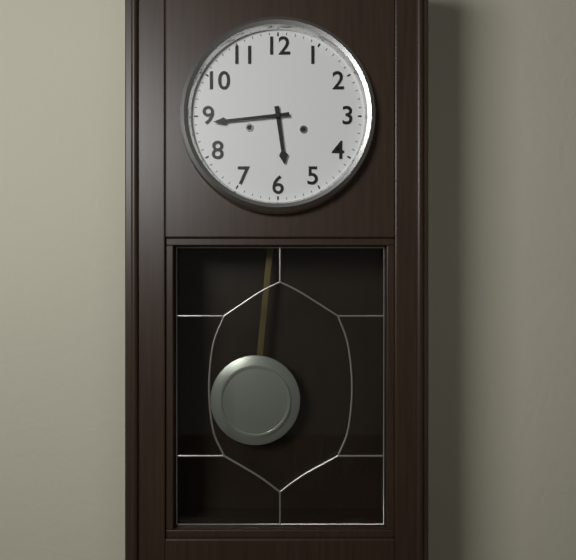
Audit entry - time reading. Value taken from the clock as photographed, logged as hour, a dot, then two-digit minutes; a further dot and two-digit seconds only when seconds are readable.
5.44
